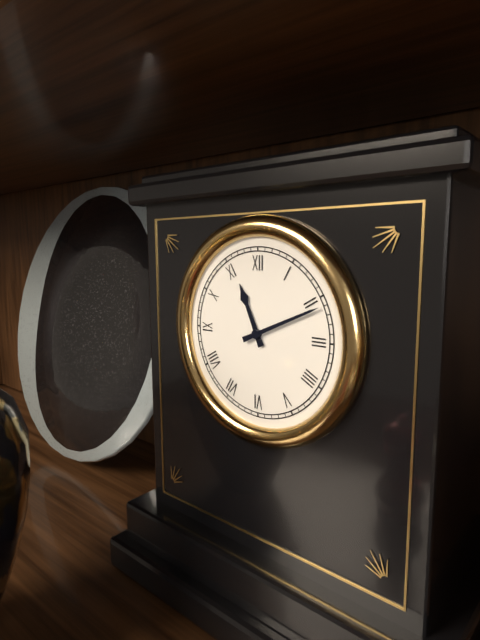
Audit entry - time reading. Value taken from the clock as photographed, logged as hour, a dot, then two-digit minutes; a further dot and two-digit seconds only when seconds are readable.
11.11
